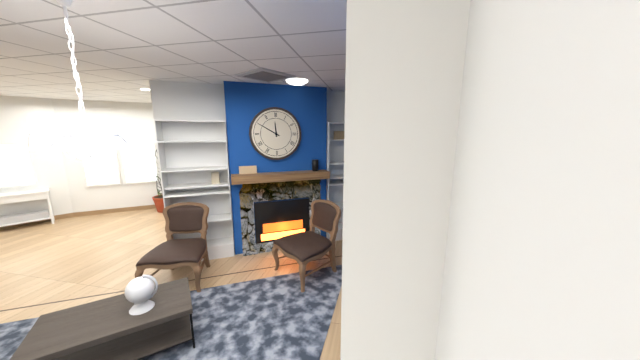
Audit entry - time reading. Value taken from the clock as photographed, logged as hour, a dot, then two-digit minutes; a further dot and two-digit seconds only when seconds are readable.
11.50
